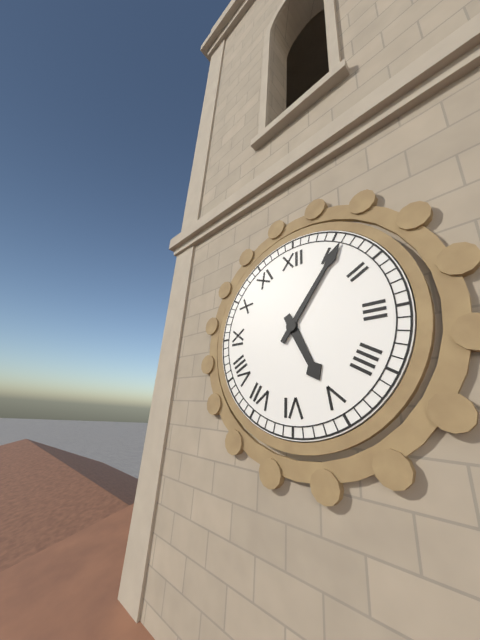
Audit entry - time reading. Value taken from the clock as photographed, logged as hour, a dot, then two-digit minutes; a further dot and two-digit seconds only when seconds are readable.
5.06
